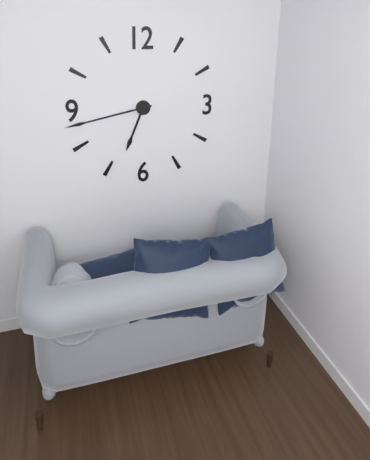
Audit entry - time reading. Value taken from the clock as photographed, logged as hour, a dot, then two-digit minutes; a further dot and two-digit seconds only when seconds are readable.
6.43
